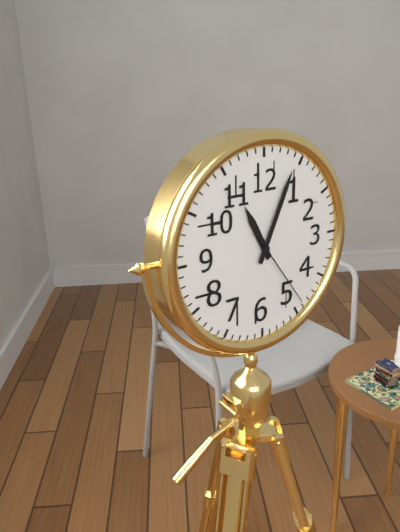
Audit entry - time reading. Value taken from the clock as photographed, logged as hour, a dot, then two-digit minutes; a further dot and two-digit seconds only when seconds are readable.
11.04.24
